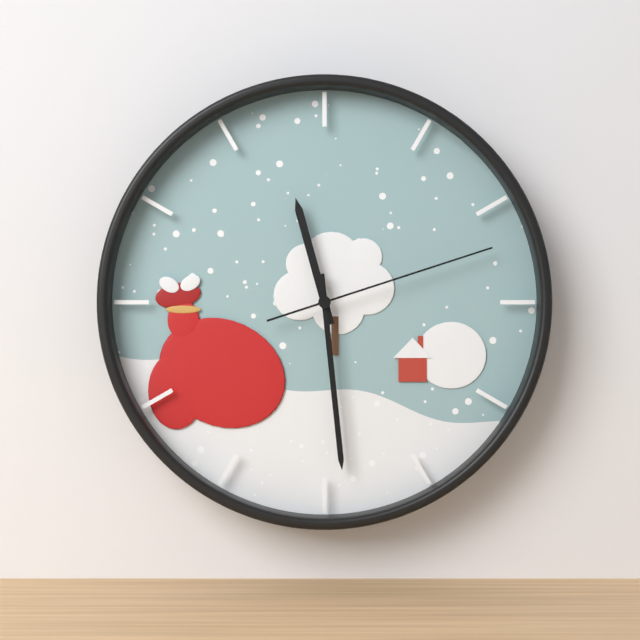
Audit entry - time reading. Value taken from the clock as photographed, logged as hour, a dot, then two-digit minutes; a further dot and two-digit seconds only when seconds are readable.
11.29.12
